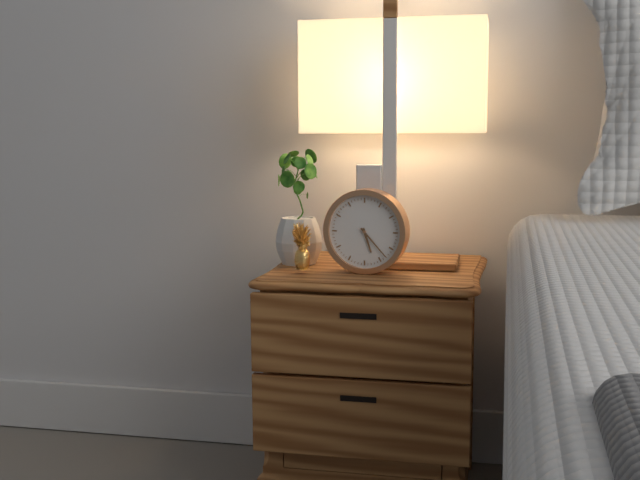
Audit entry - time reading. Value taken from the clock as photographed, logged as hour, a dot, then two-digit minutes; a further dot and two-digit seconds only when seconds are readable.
5.23
